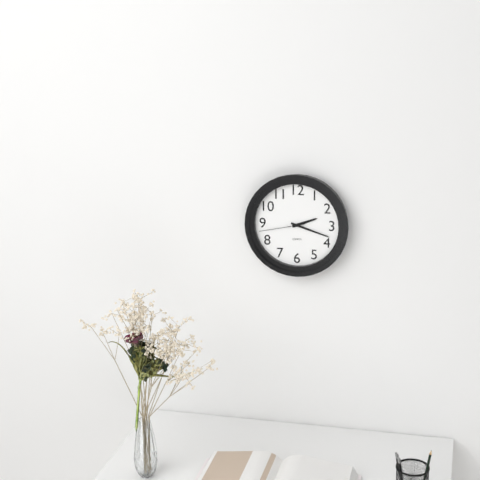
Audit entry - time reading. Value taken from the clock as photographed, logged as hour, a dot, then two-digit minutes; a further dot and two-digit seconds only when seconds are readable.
2.18
